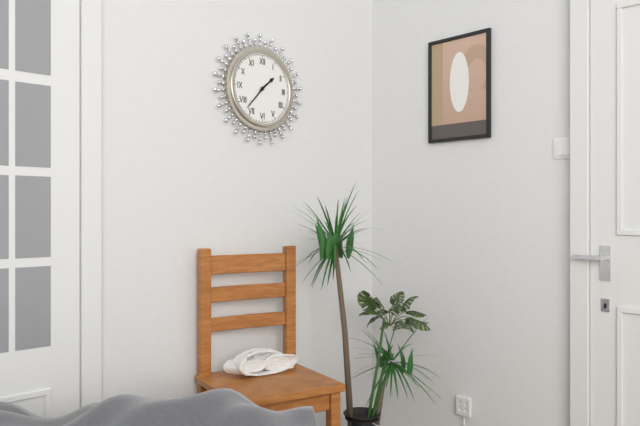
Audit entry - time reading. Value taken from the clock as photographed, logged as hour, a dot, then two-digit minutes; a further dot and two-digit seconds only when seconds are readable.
1.37
